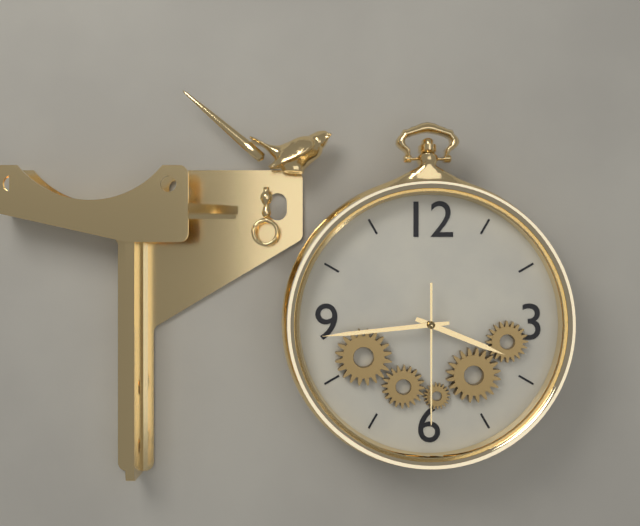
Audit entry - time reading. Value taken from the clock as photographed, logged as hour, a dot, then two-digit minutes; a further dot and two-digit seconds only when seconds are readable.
3.44.30
